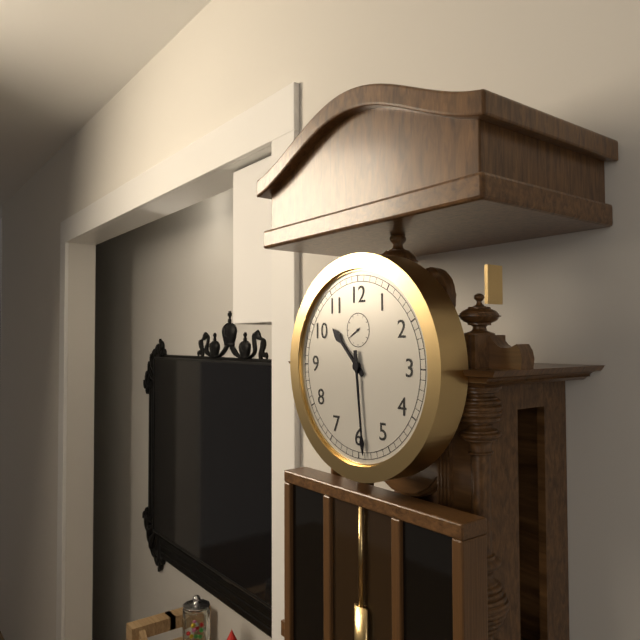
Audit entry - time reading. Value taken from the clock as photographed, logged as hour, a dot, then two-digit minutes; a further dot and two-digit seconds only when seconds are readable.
10.29
